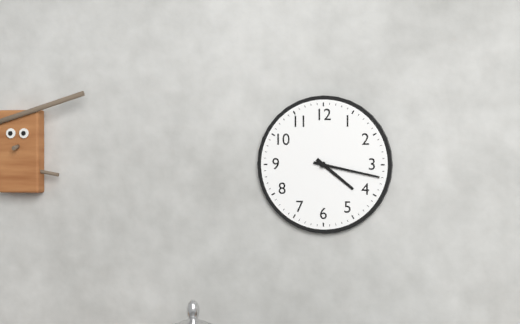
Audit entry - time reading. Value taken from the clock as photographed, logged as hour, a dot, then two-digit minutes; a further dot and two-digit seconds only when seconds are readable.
4.17
